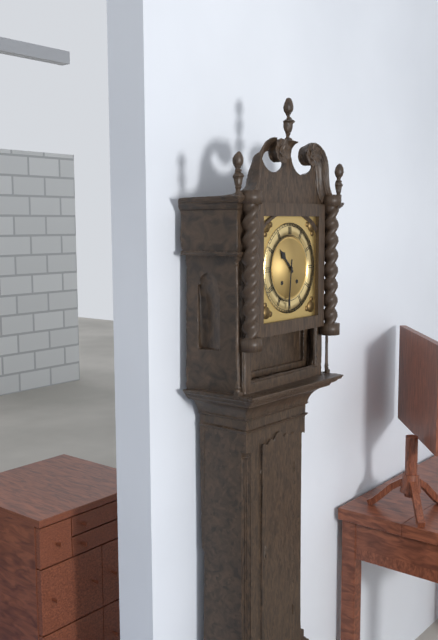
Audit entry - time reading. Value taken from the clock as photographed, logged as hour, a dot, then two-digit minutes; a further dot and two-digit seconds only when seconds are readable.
10.31
